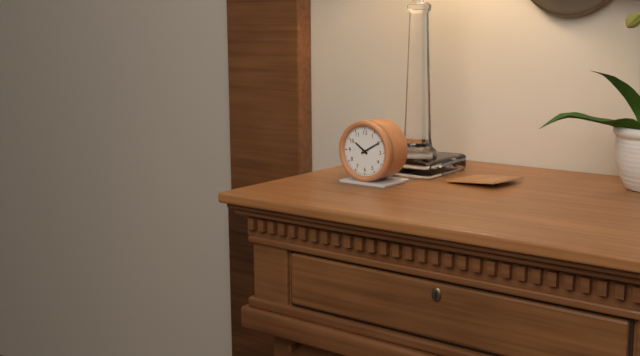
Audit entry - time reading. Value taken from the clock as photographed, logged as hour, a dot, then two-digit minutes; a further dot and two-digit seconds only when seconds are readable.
10.10
